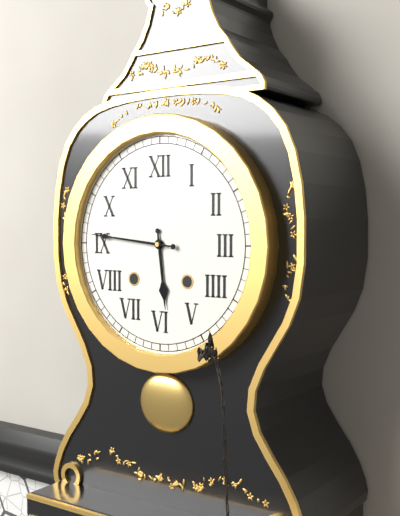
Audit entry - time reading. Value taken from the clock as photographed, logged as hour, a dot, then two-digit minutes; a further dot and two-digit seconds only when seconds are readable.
5.46
